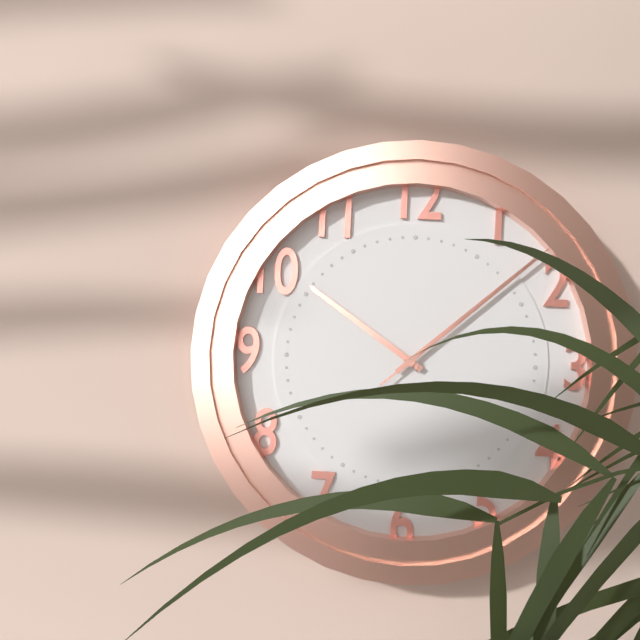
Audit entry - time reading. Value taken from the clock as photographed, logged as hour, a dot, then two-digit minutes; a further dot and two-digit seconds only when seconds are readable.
10.08.08
